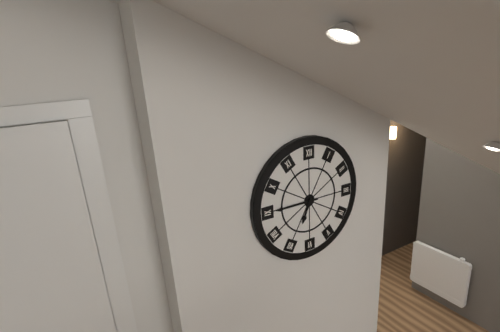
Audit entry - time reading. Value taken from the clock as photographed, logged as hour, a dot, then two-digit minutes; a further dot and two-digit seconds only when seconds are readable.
6.45
